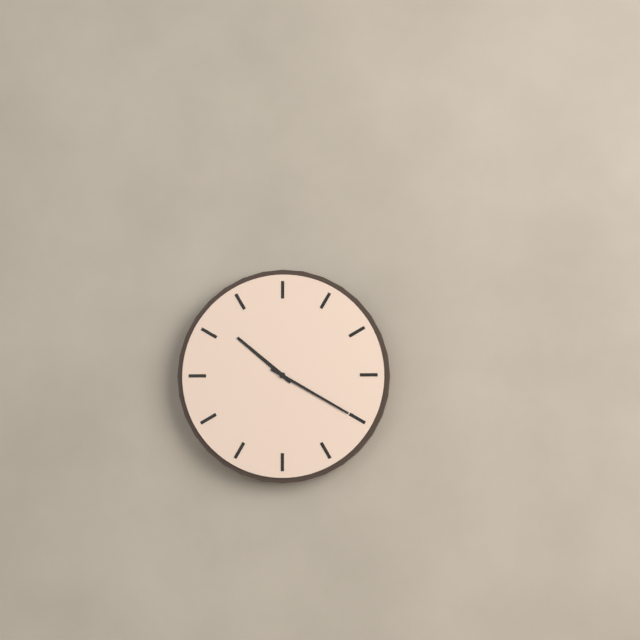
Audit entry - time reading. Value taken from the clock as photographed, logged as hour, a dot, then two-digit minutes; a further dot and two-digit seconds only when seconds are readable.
10.20
